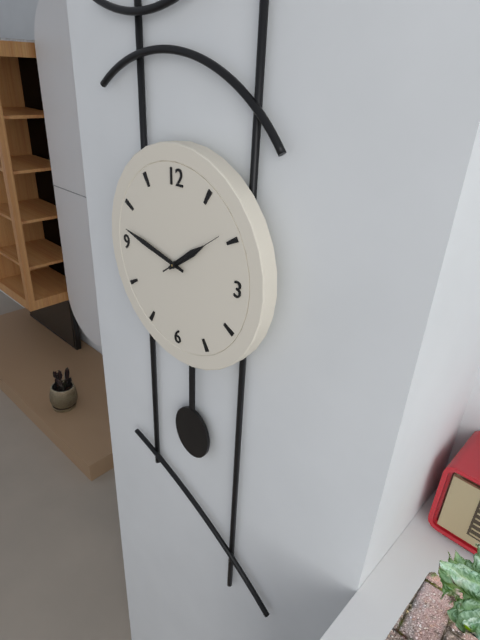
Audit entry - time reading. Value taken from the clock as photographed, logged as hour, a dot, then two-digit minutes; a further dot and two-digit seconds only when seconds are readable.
1.47.09
